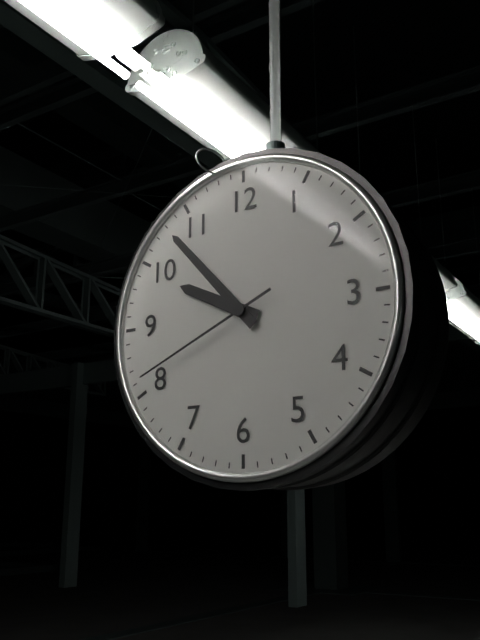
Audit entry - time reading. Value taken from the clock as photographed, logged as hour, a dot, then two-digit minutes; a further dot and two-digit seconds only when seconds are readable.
9.53.41
